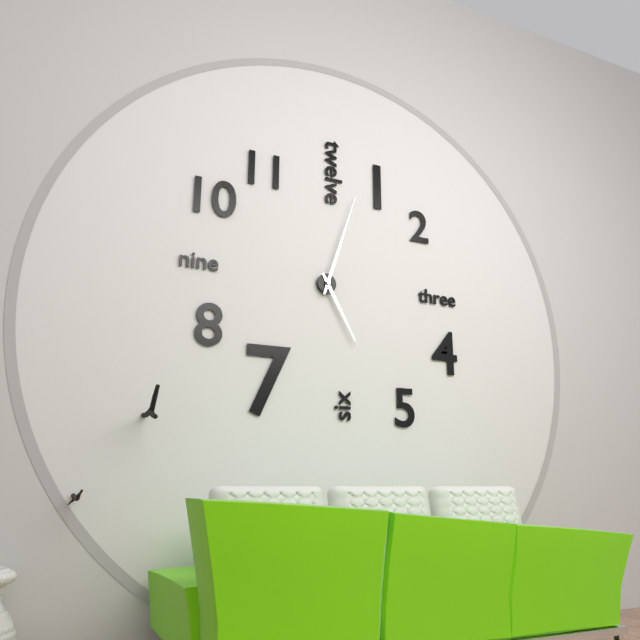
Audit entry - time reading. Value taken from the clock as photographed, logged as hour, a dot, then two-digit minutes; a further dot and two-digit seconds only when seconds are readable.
5.03
